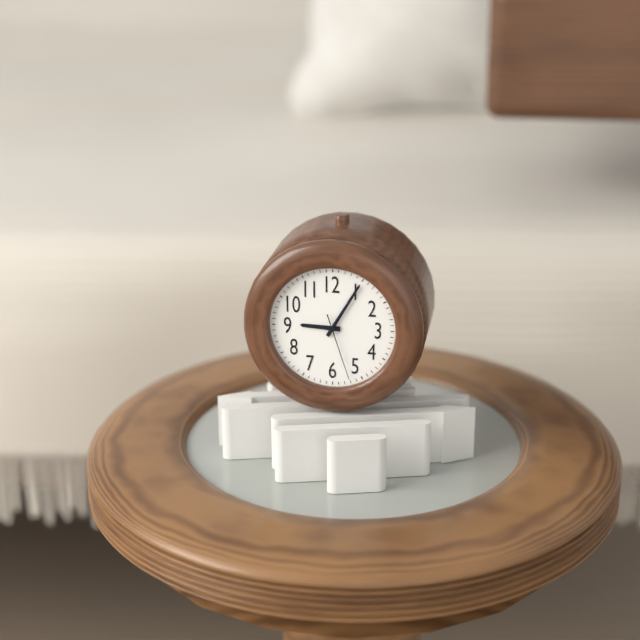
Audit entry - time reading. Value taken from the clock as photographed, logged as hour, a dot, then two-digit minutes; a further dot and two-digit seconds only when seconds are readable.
9.05.27
